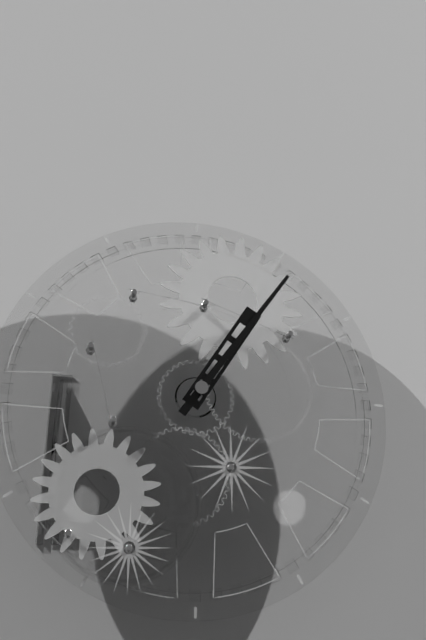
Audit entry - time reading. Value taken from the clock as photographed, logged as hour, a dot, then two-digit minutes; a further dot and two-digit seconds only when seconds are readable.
1.06
